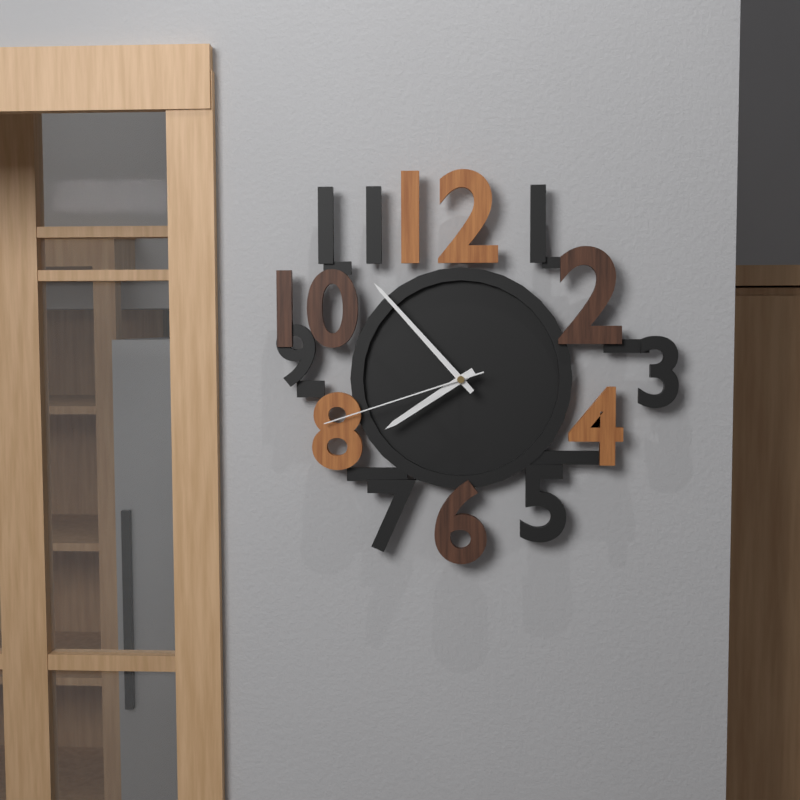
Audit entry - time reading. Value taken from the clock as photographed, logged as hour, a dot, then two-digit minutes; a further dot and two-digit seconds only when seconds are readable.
7.53.42
